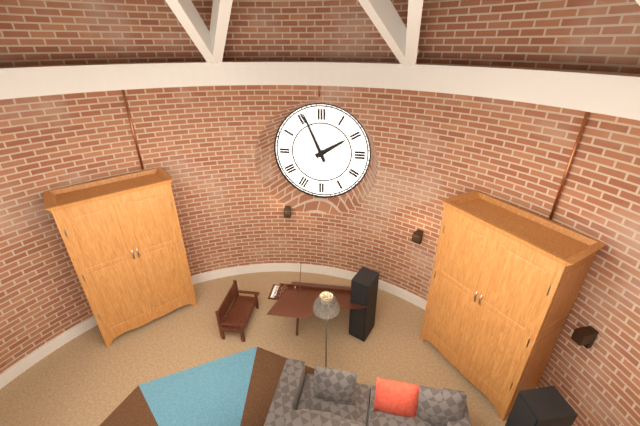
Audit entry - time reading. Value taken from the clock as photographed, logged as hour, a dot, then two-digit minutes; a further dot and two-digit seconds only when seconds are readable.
1.56
